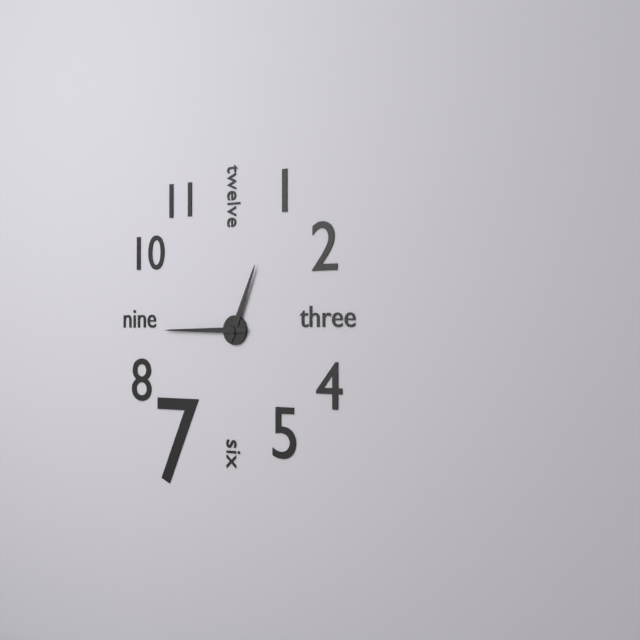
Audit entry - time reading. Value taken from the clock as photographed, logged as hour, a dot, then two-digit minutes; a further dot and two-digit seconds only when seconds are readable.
12.45
